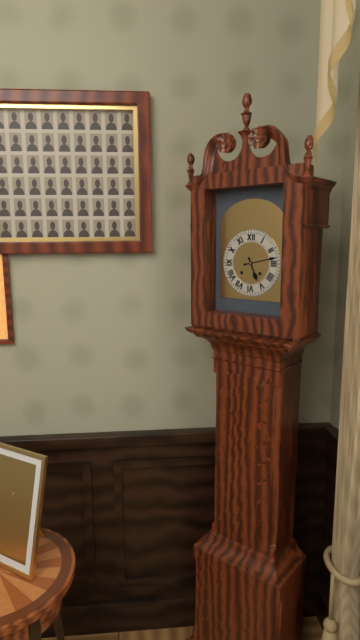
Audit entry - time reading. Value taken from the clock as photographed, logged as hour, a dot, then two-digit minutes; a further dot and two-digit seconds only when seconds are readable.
5.13
